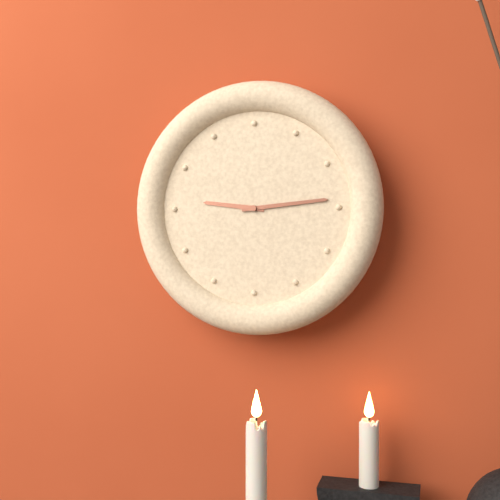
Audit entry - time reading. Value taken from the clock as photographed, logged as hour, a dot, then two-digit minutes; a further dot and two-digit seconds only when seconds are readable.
9.14
